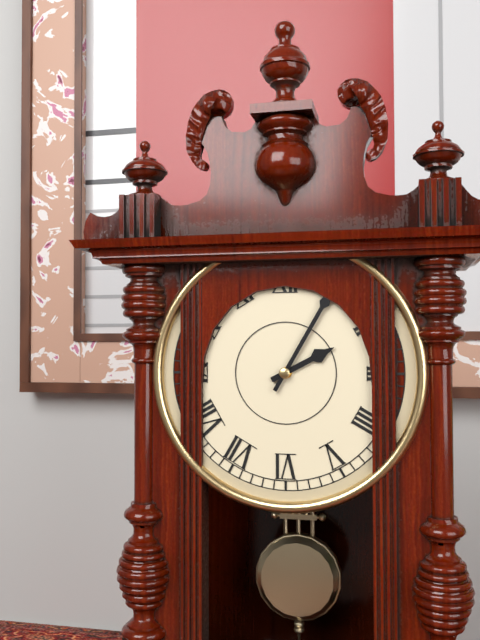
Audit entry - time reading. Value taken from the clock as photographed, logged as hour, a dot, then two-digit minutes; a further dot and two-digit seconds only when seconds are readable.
2.05
